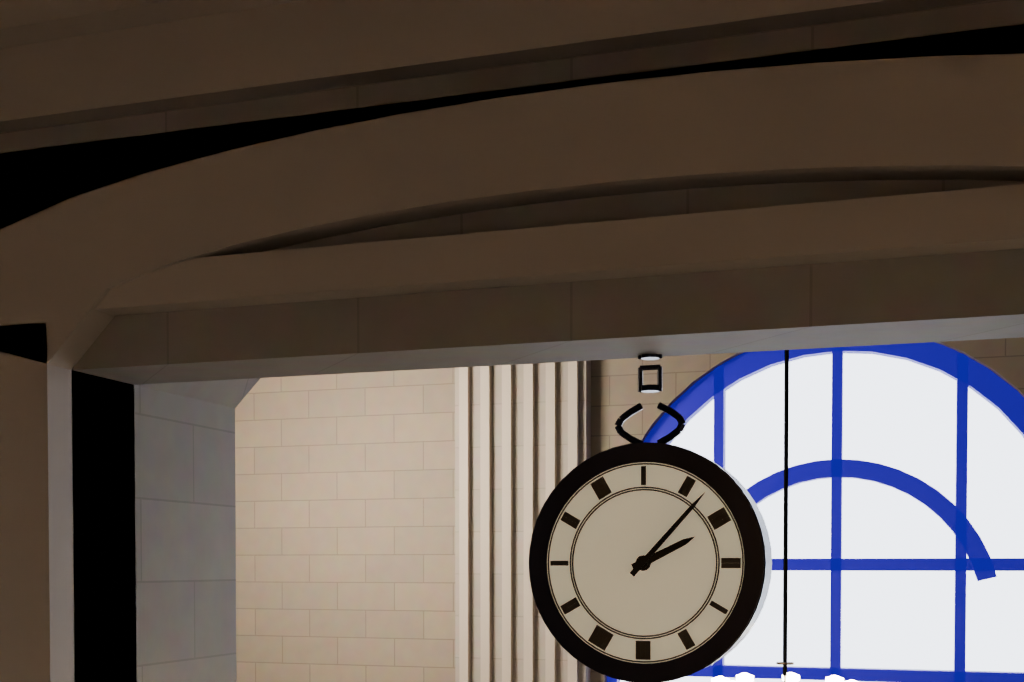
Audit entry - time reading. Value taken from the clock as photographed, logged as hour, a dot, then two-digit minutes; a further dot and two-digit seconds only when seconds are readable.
2.07
